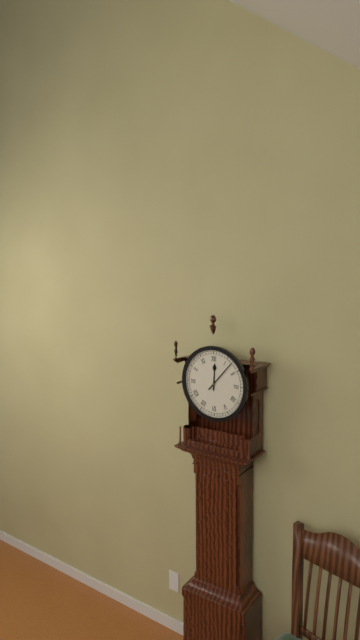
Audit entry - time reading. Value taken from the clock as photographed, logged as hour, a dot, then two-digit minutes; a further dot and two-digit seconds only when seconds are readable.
12.07
